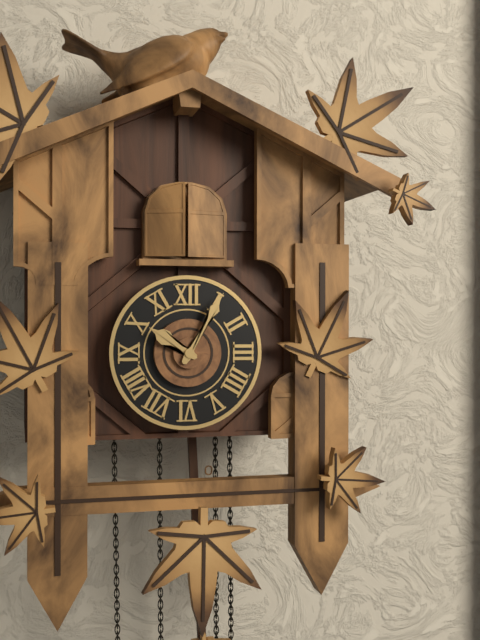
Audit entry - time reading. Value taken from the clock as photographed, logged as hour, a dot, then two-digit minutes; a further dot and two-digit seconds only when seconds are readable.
10.05
